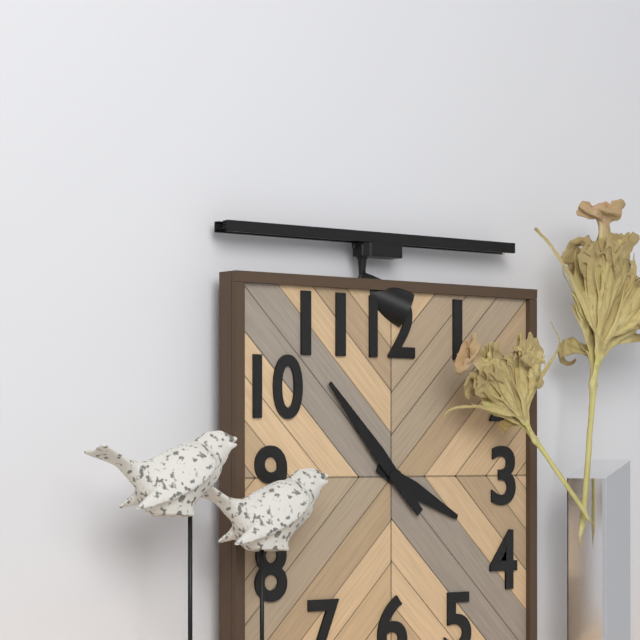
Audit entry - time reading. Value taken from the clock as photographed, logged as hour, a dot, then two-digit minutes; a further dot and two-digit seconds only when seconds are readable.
3.53
